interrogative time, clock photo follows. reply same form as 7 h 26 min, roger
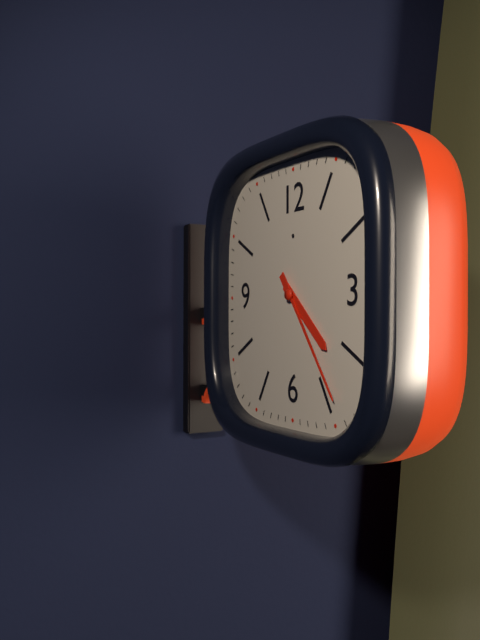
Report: 4 h 24 min
